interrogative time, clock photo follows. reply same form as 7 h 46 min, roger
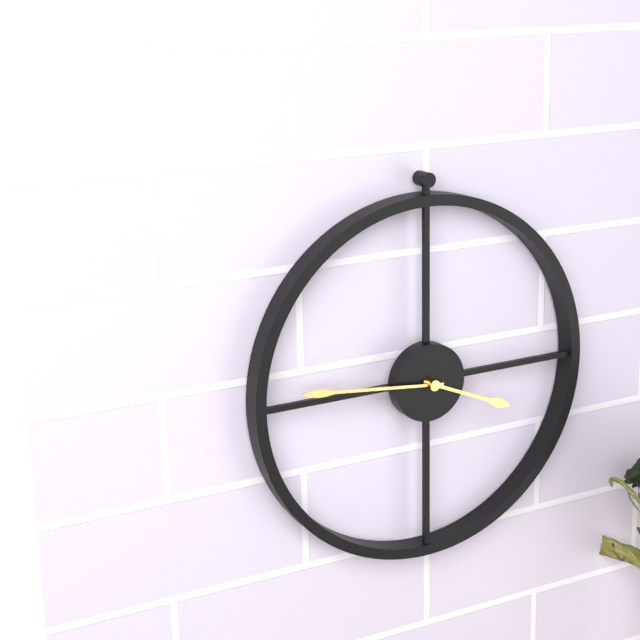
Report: 3 h 46 min
